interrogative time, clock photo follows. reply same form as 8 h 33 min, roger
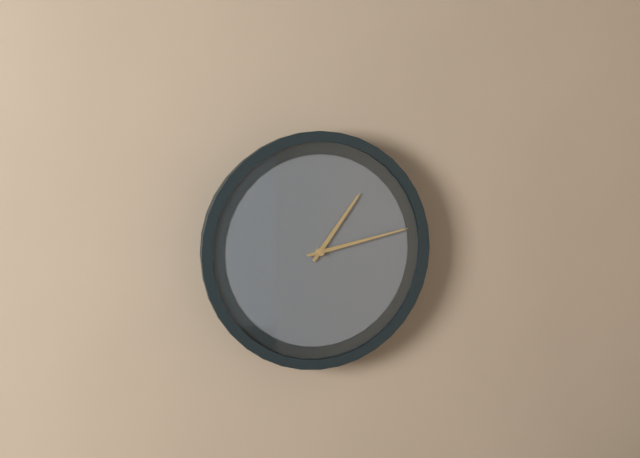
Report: 1 h 13 min
